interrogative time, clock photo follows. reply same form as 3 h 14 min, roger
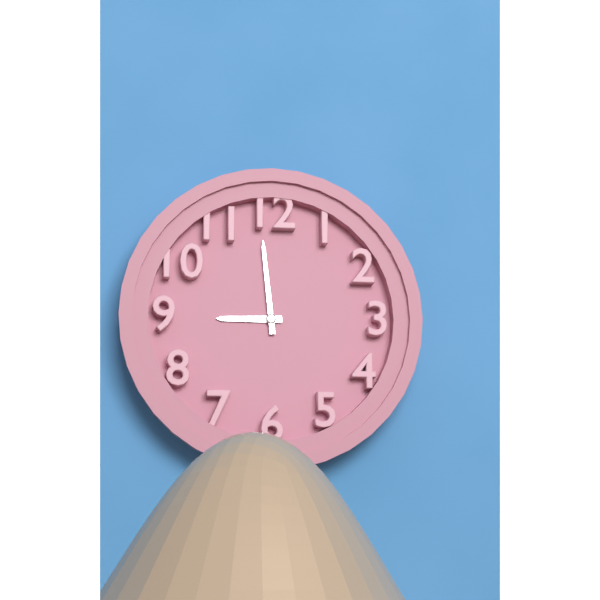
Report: 8 h 59 min
